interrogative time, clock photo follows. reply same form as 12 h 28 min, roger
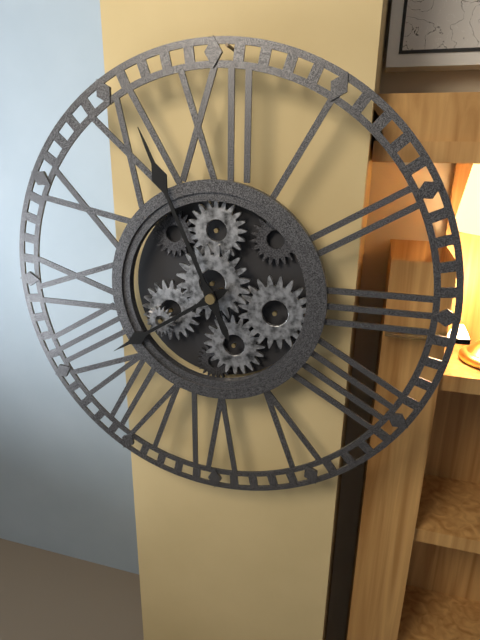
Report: 7 h 56 min
